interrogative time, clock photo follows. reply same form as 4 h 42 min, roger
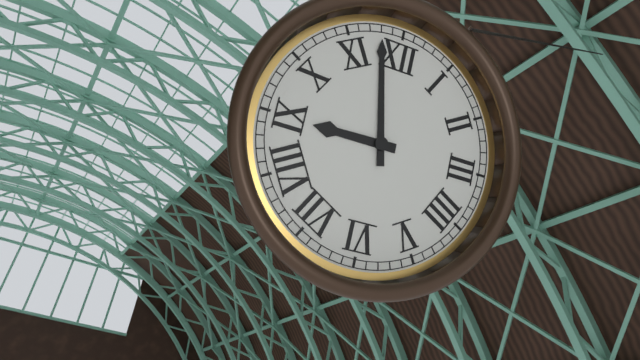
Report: 8 h 58 min
